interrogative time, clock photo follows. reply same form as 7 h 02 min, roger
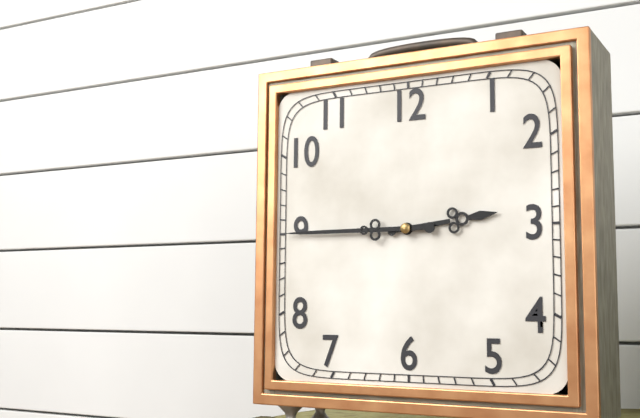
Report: 2 h 45 min
